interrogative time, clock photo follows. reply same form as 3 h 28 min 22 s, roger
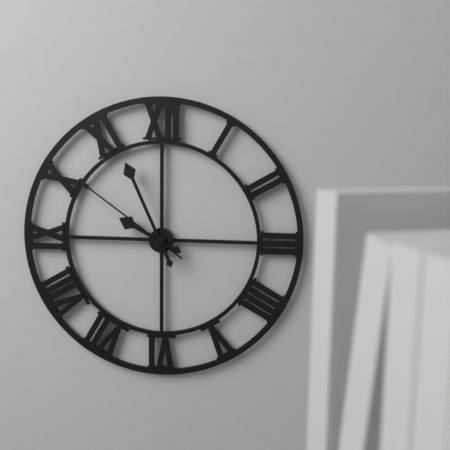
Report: 9 h 56 min 51 s
